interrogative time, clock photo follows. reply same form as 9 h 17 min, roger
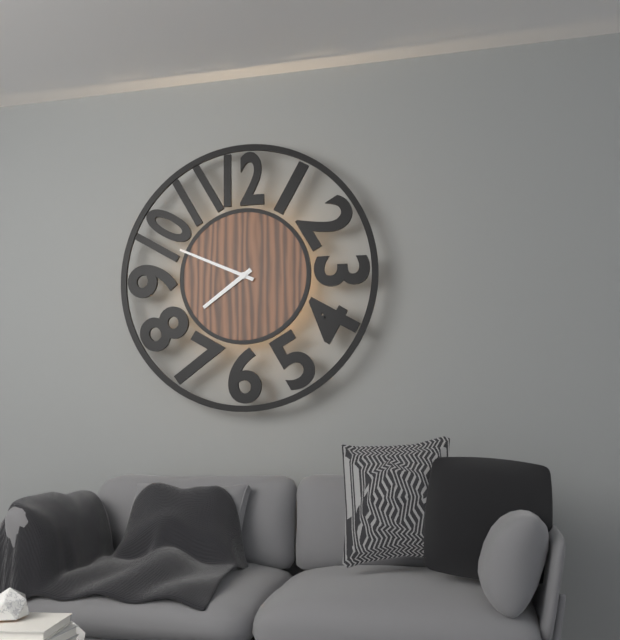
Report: 7 h 49 min
